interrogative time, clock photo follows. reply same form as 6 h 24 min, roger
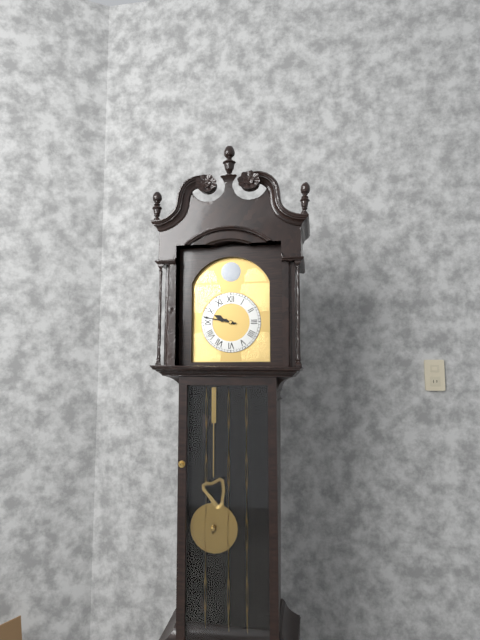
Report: 9 h 47 min
